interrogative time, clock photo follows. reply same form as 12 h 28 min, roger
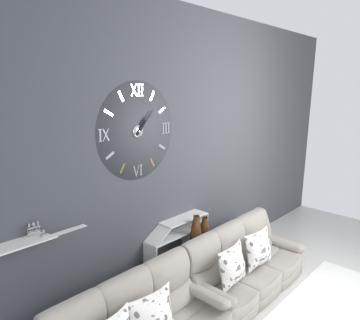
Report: 1 h 07 min
